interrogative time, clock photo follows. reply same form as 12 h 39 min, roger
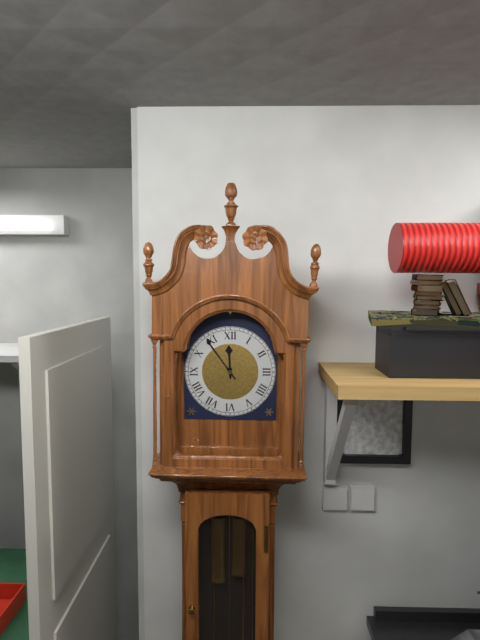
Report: 11 h 54 min
